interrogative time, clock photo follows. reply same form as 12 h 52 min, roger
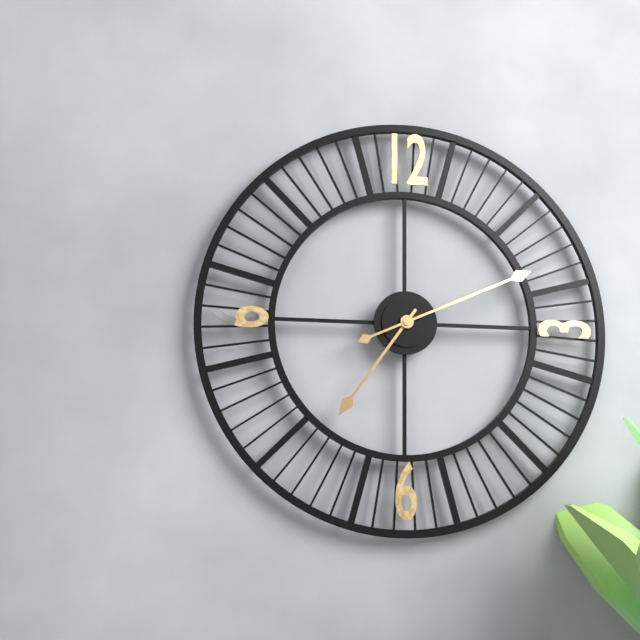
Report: 7 h 11 min
